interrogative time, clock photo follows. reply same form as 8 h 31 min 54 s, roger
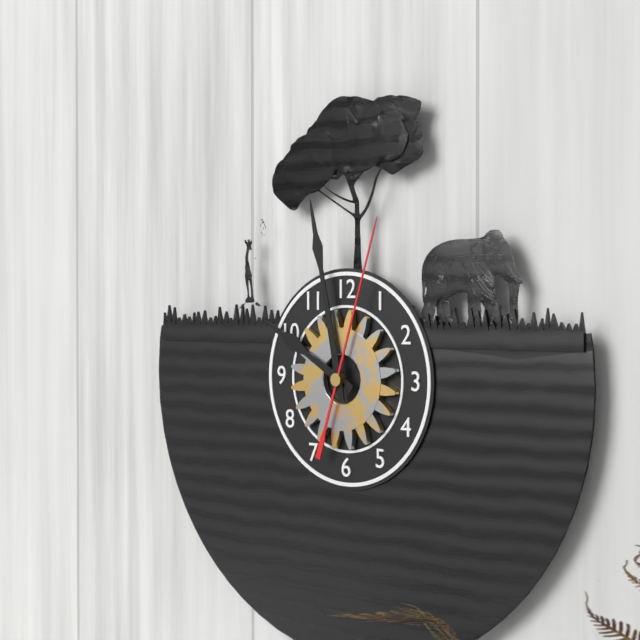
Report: 9 h 58 min 03 s
